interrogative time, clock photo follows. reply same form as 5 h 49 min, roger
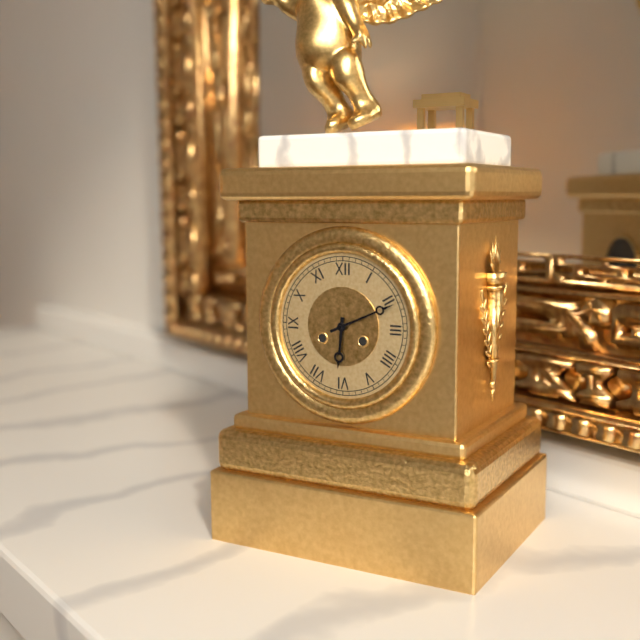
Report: 6 h 11 min
